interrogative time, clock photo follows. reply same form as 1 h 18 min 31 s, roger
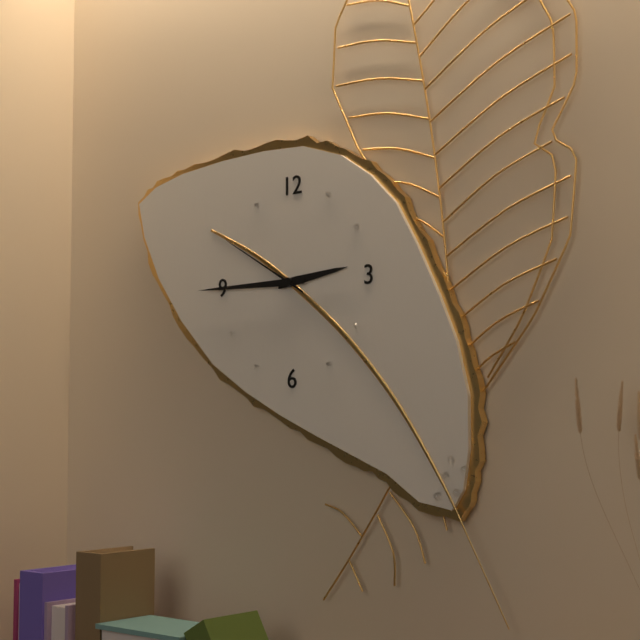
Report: 2 h 45 min 50 s
